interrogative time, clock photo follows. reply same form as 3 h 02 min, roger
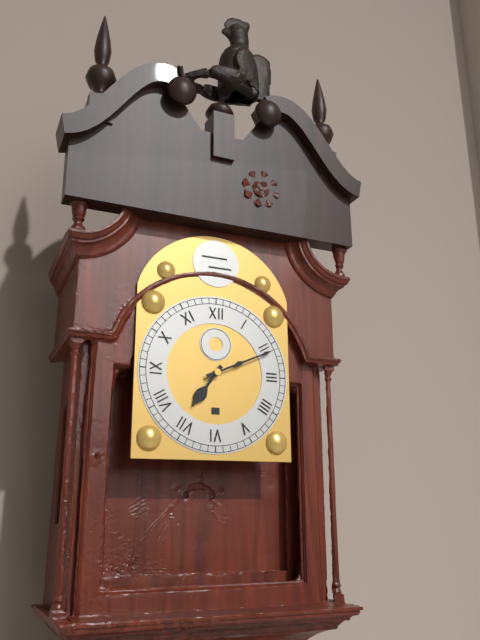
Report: 7 h 11 min
